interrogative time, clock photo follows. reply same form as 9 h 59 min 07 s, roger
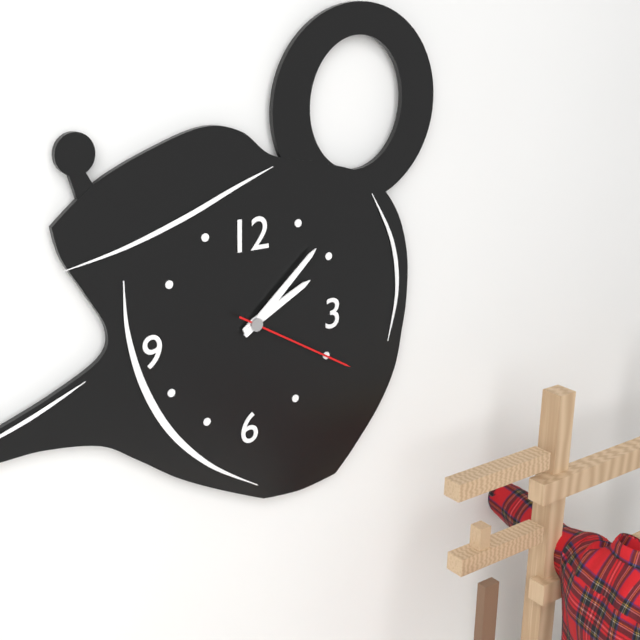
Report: 2 h 08 min 20 s
